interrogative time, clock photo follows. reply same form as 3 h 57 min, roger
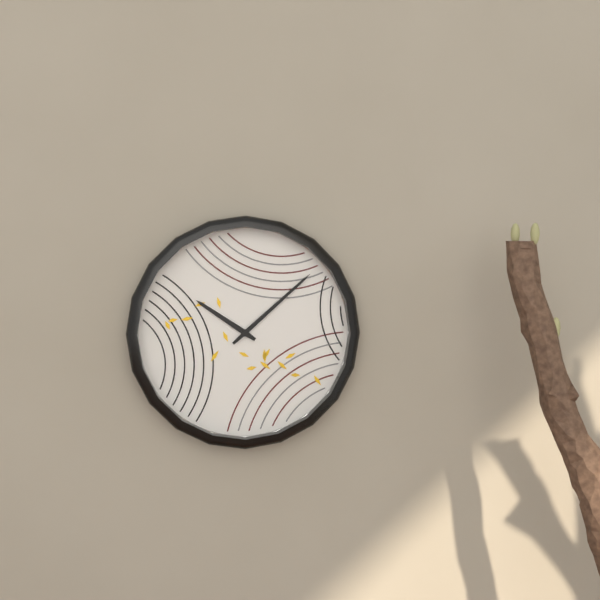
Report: 10 h 08 min
